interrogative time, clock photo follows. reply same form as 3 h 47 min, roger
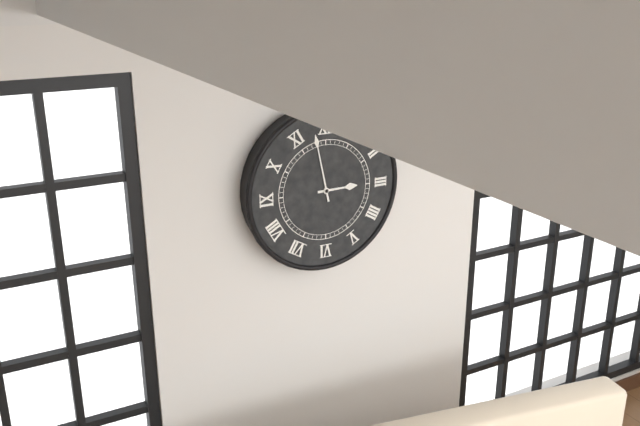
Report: 2 h 58 min
